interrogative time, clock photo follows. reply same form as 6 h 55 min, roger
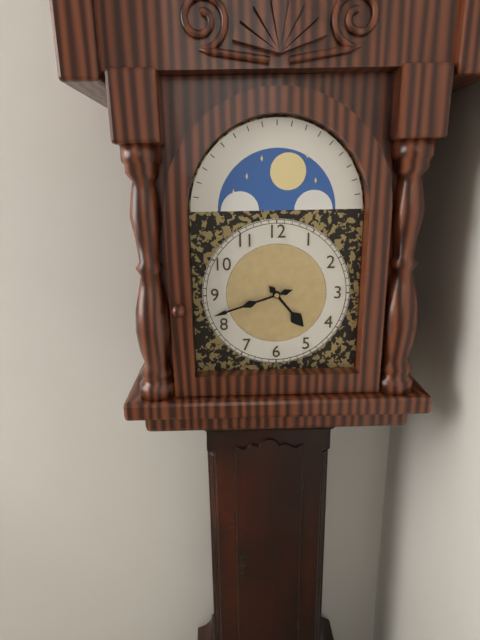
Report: 4 h 42 min
